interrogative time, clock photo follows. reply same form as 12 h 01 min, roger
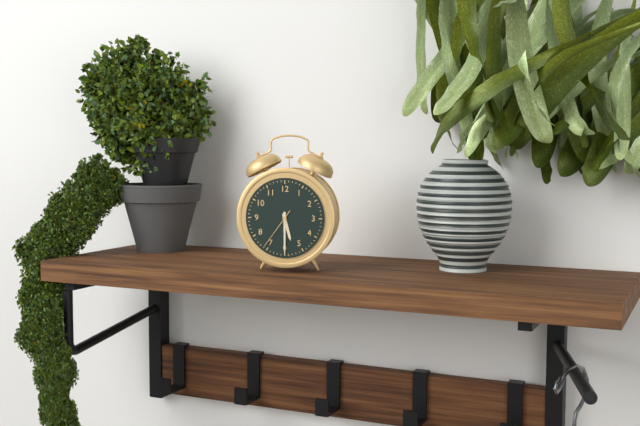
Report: 5 h 30 min
